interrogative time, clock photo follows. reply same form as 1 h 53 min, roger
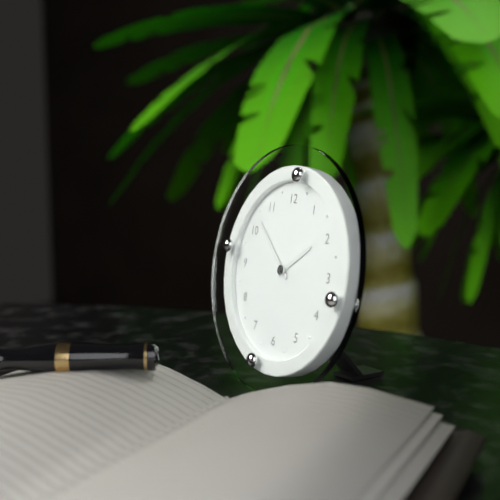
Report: 1 h 52 min
